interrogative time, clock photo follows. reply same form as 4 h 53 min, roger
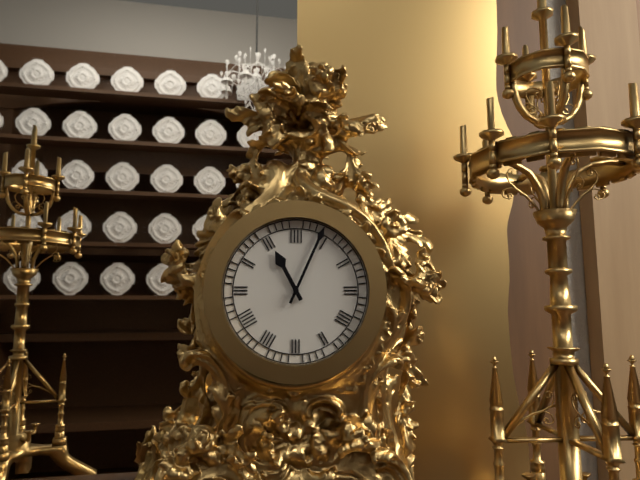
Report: 11 h 04 min
